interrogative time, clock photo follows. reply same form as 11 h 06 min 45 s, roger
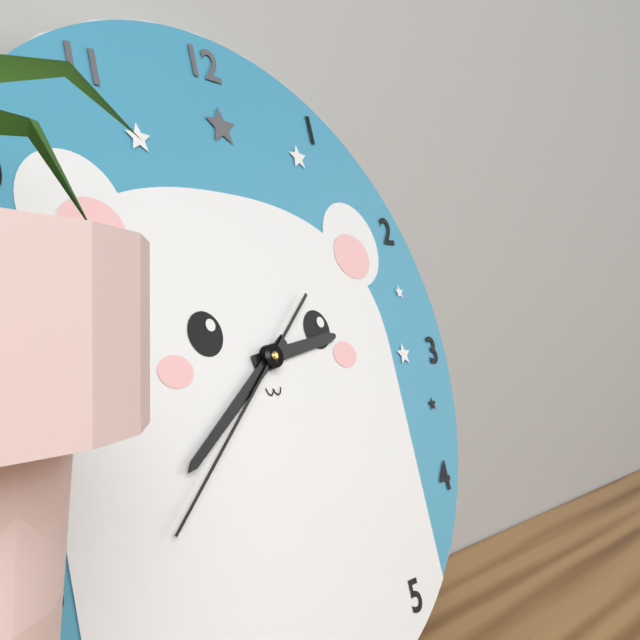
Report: 2 h 39 min 38 s
